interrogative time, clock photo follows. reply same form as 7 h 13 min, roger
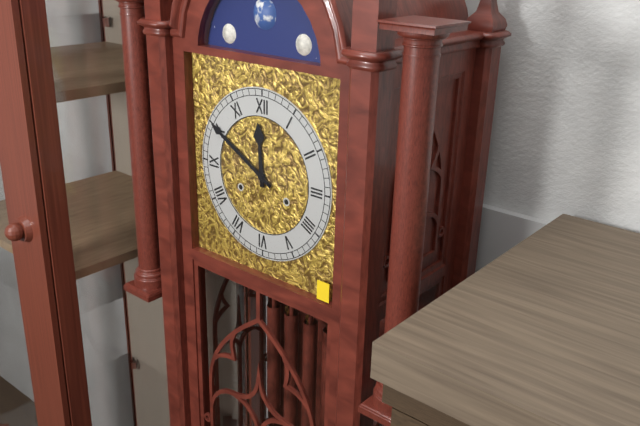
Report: 11 h 50 min
